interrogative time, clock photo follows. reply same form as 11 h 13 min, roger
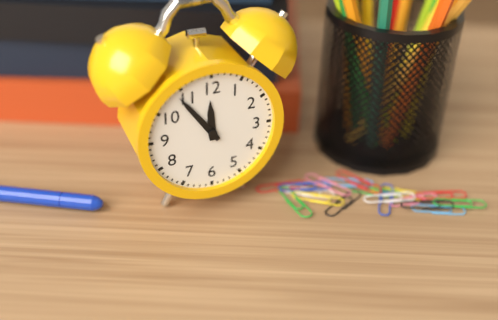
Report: 11 h 54 min
